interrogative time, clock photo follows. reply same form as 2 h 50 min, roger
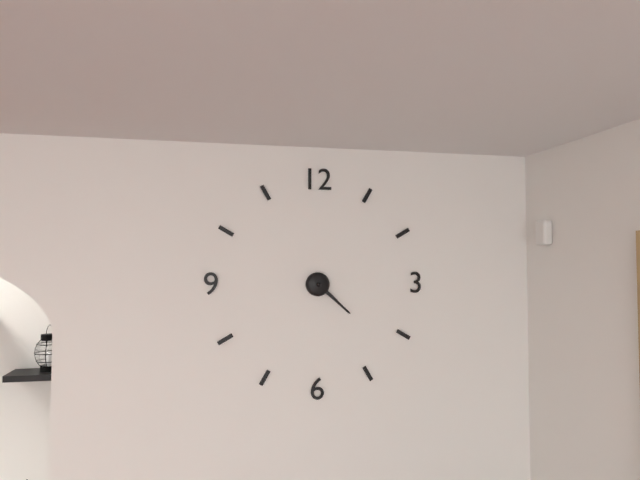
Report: 4 h 22 min
